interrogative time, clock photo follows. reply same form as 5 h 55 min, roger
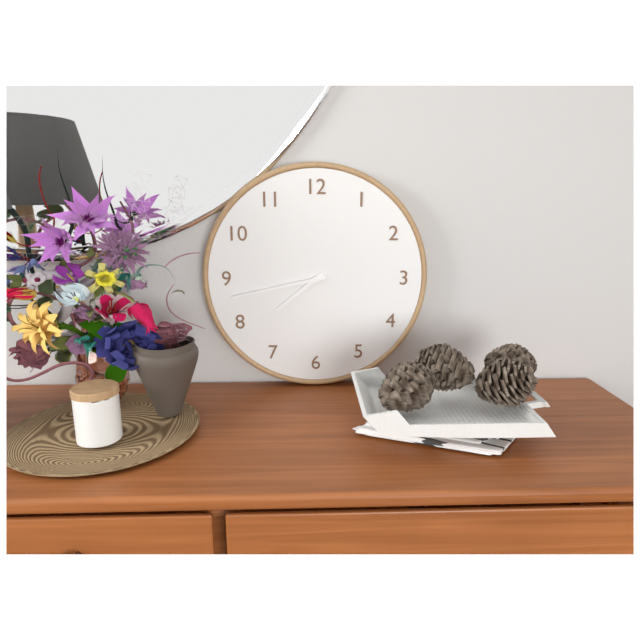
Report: 7 h 43 min
